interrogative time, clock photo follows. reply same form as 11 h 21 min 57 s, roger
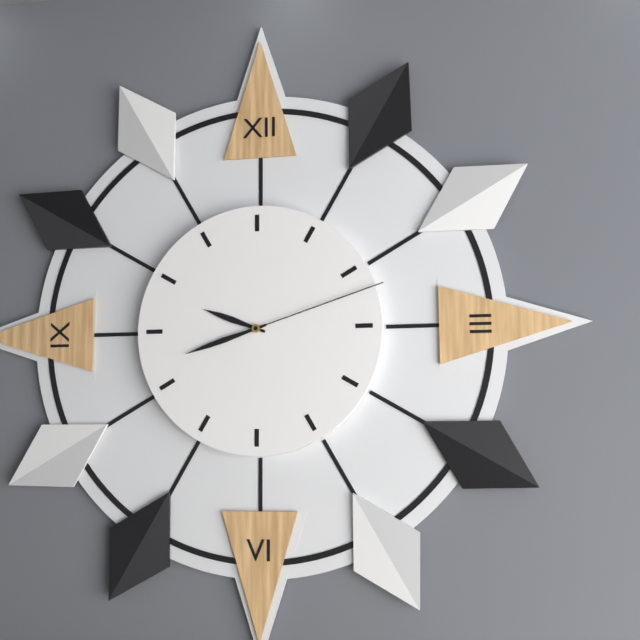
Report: 9 h 42 min 12 s
